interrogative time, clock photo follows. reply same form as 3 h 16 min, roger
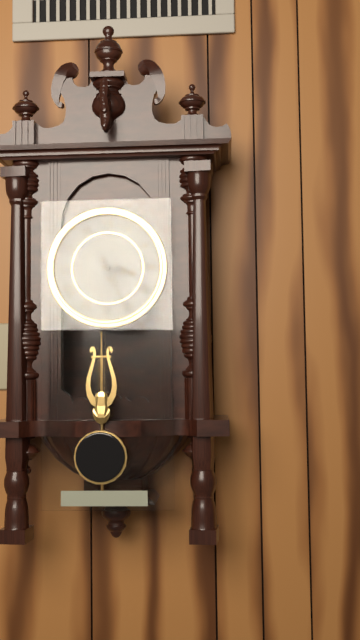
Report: 3 h 26 min
